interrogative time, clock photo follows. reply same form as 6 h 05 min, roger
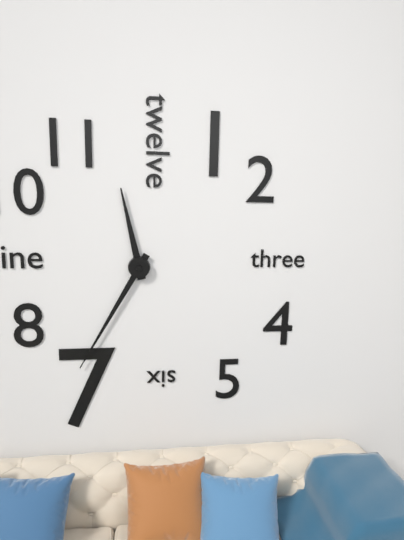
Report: 11 h 35 min
